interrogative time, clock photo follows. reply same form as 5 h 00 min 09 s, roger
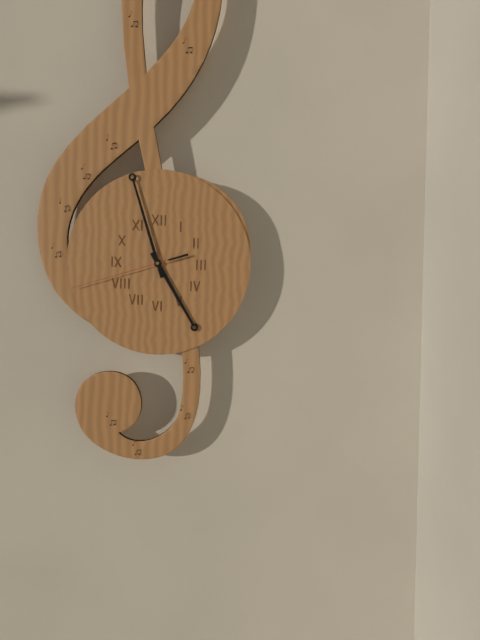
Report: 4 h 57 min 42 s
